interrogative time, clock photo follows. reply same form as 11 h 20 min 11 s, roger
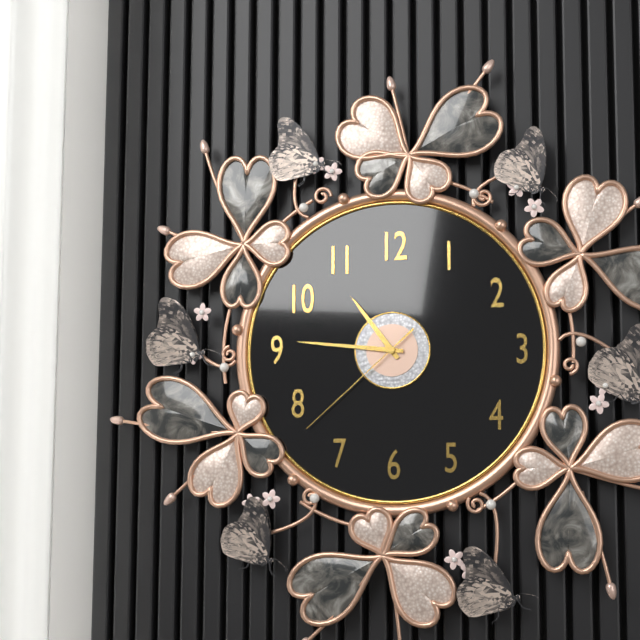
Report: 10 h 46 min 38 s
